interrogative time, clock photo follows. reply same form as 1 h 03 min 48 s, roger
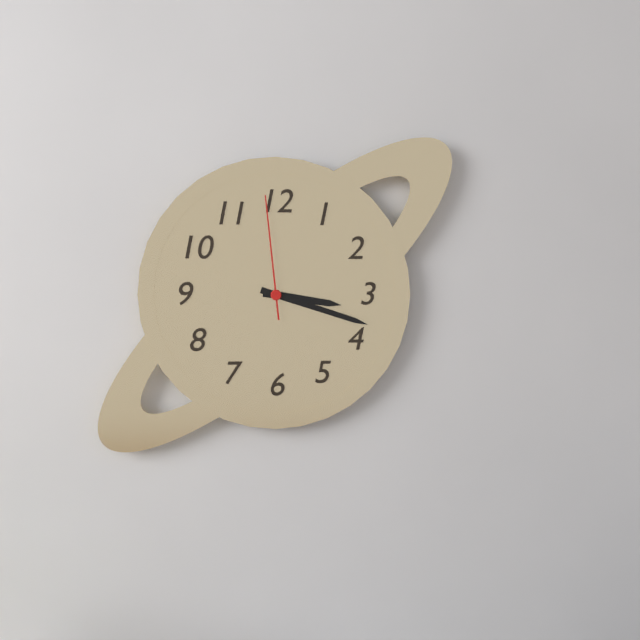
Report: 3 h 18 min 59 s
